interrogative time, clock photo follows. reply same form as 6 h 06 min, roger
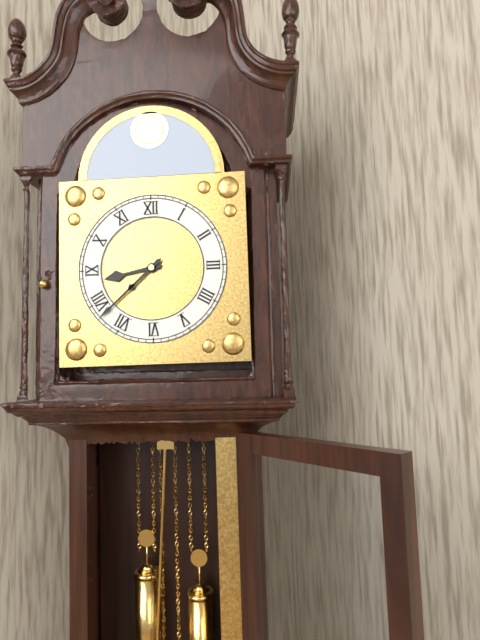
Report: 8 h 38 min
